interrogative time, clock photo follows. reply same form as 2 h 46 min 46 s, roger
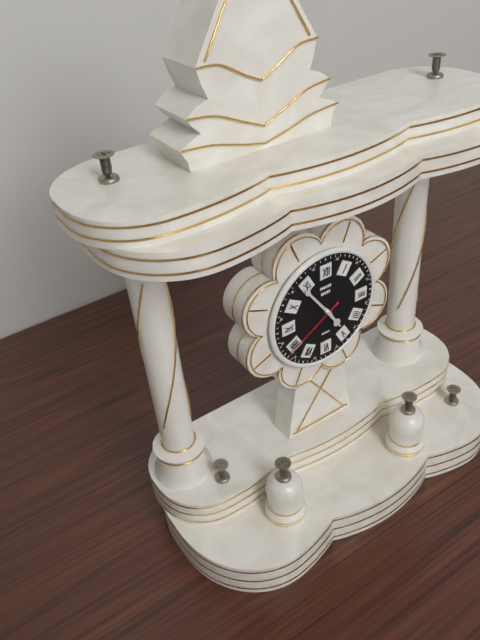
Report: 4 h 54 min 40 s
